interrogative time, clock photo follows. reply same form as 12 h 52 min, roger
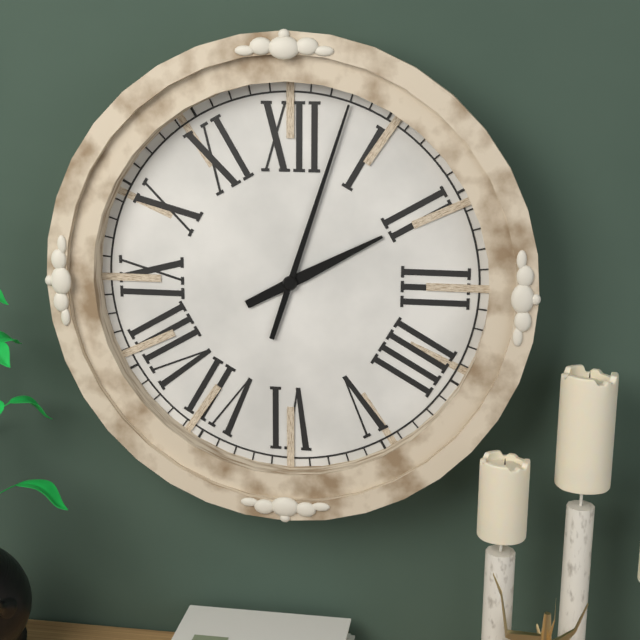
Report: 2 h 03 min
